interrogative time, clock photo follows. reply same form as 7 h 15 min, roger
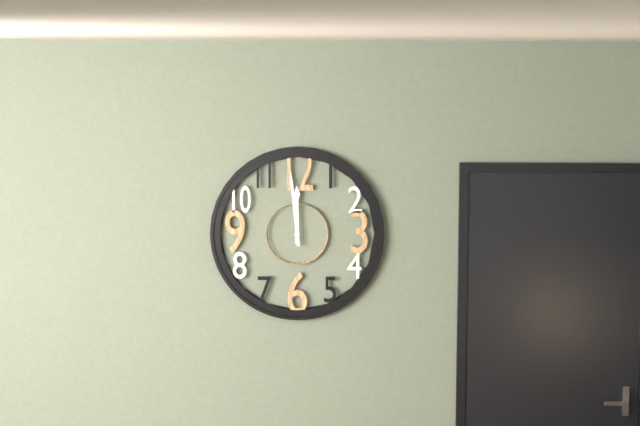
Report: 11 h 59 min
